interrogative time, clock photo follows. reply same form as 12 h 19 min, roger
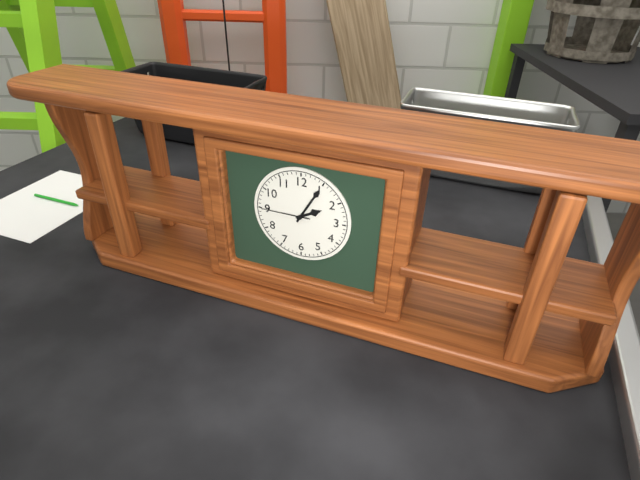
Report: 2 h 05 min
